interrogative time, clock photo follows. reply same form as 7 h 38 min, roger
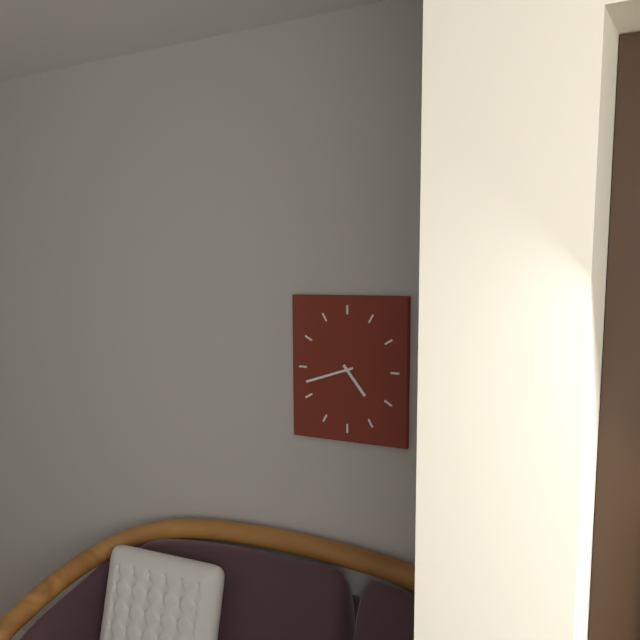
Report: 4 h 42 min
